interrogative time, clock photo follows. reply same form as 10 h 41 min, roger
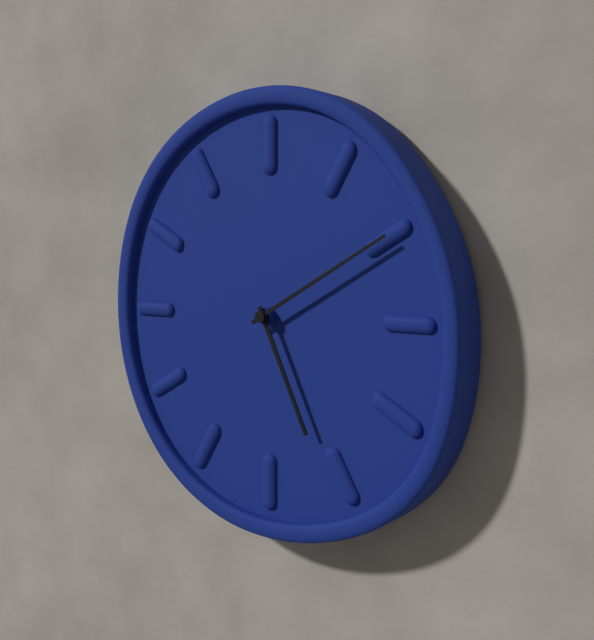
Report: 5 h 10 min
